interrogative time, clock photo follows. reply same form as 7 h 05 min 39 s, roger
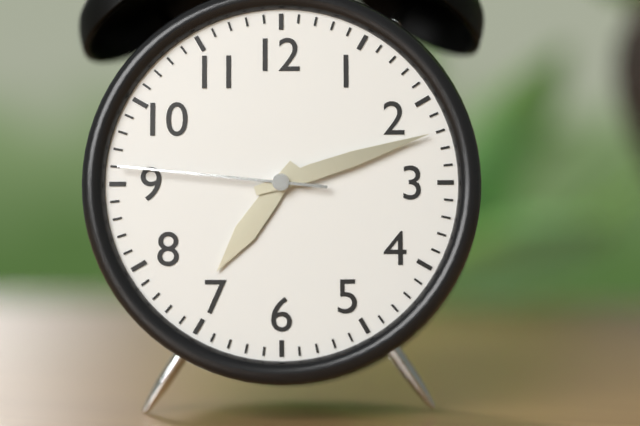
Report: 7 h 12 min 46 s
